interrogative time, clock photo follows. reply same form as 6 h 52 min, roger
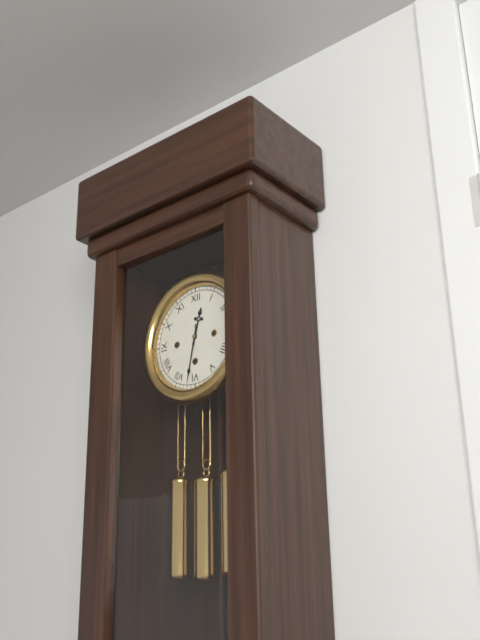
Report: 12 h 32 min
